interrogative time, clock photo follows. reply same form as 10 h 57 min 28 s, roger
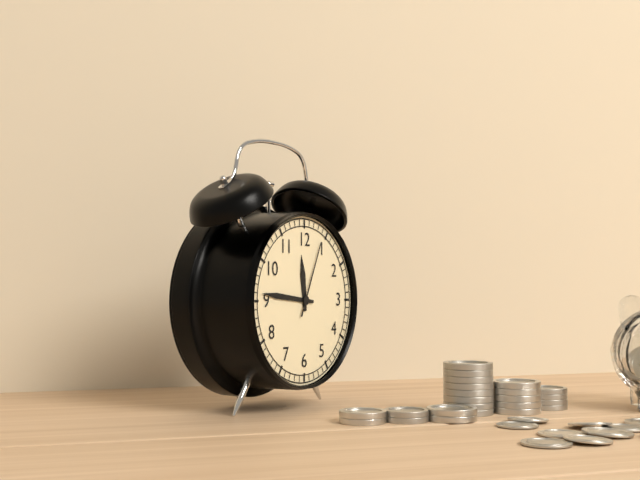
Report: 11 h 46 min 04 s
